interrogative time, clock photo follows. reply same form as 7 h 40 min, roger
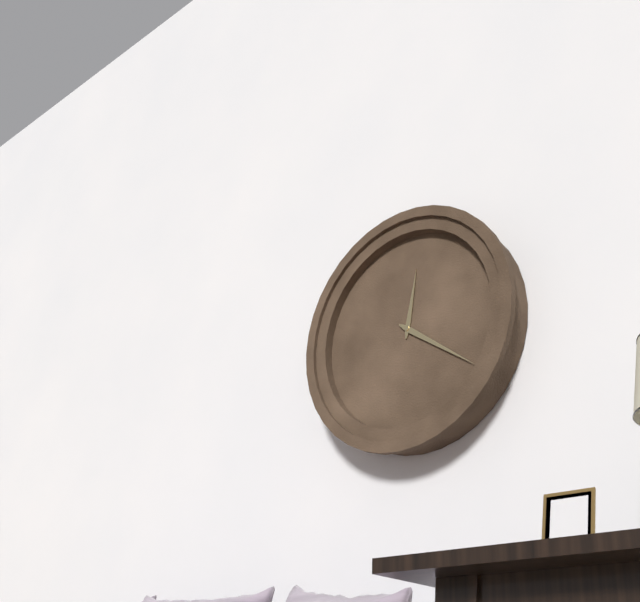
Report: 12 h 21 min
